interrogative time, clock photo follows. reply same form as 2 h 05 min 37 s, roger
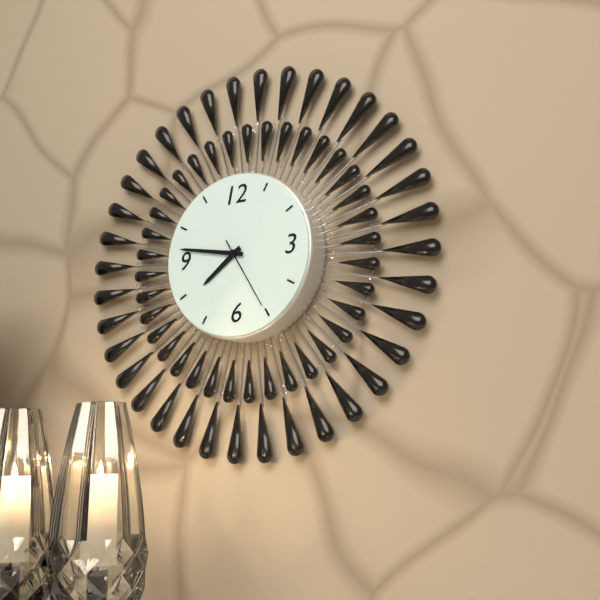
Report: 7 h 47 min 25 s
